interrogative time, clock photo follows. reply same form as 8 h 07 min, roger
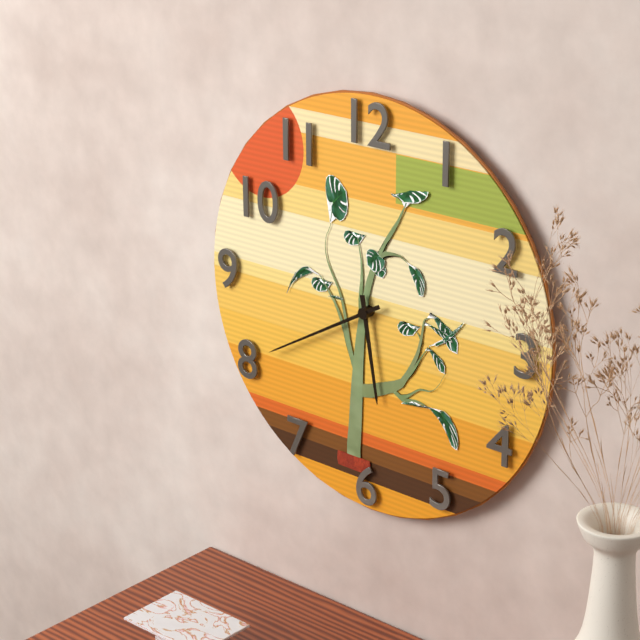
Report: 5 h 40 min
